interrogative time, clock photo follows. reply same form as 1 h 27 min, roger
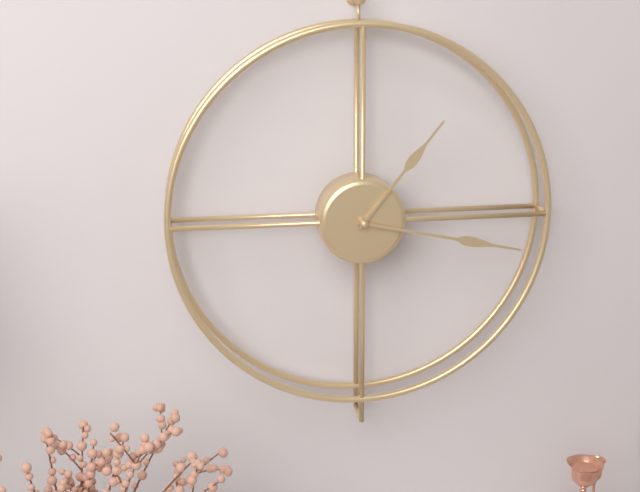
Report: 1 h 17 min
